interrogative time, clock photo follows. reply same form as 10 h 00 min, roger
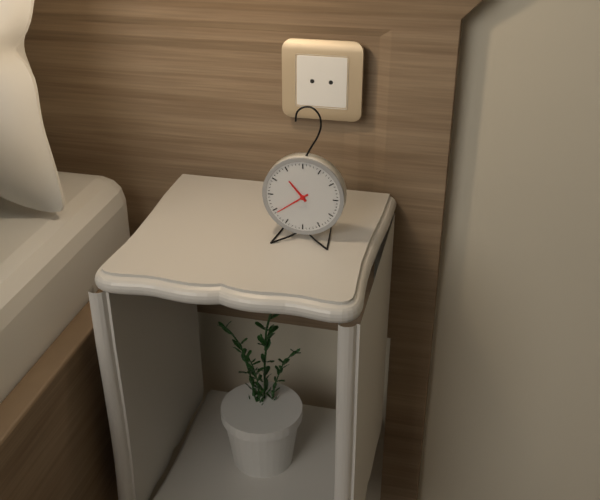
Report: 10 h 39 min
